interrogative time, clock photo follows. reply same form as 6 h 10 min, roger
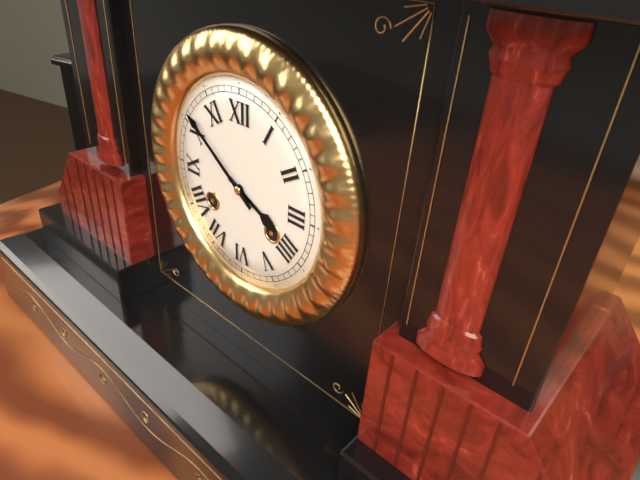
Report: 3 h 51 min
